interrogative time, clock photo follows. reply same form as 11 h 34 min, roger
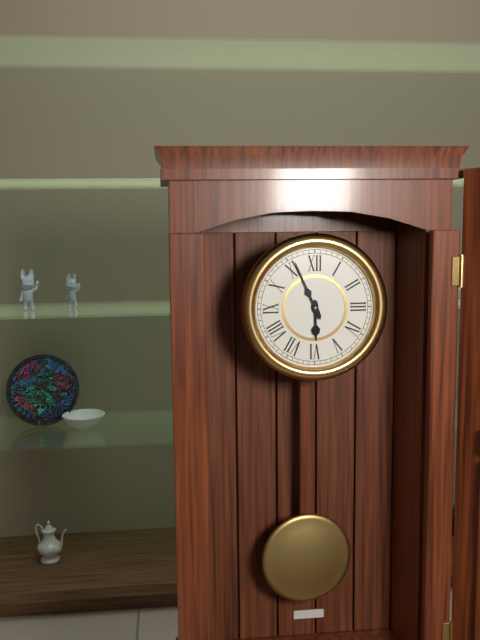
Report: 5 h 56 min
